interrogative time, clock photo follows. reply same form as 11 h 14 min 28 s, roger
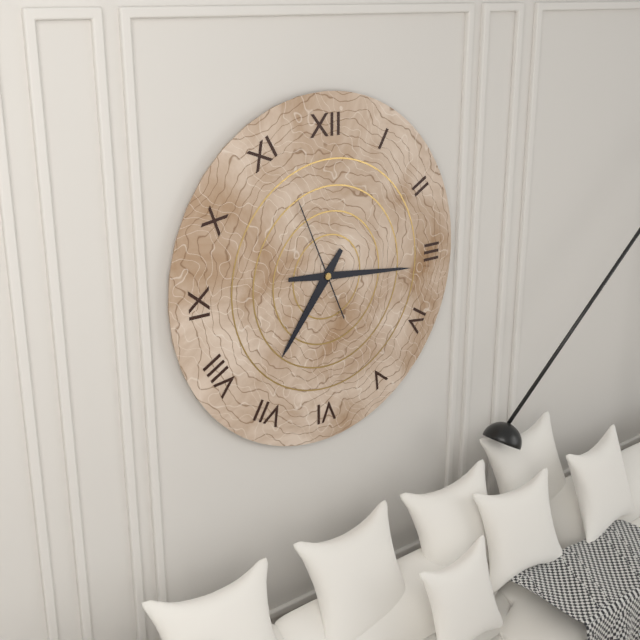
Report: 7 h 16 min 56 s
